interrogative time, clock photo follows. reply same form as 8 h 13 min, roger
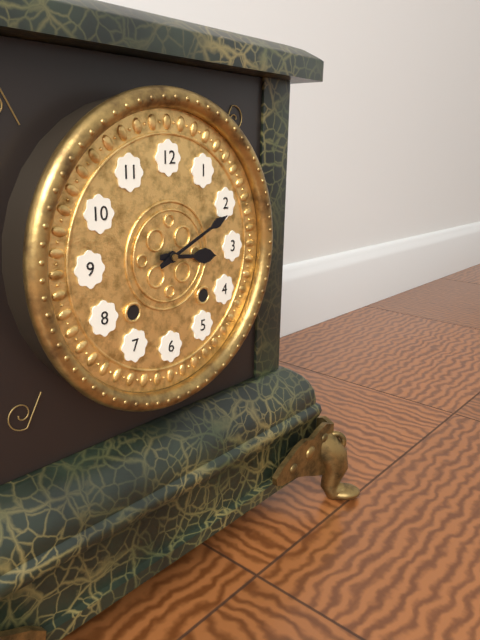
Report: 3 h 11 min
